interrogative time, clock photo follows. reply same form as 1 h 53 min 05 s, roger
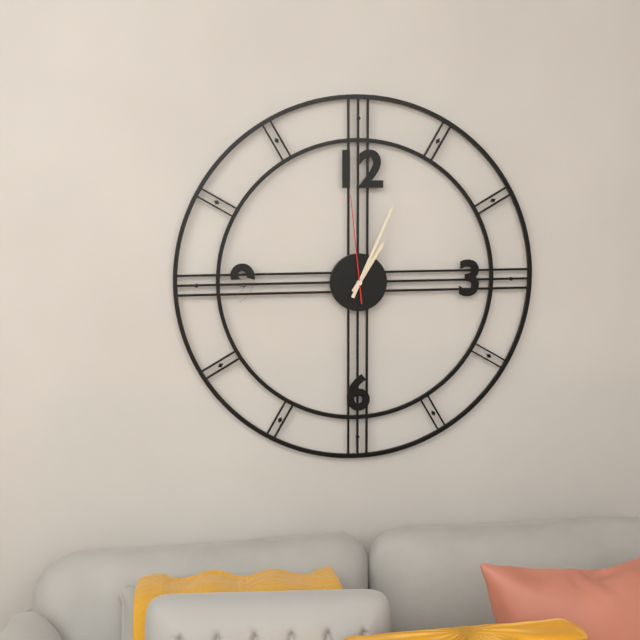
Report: 1 h 04 min 59 s
